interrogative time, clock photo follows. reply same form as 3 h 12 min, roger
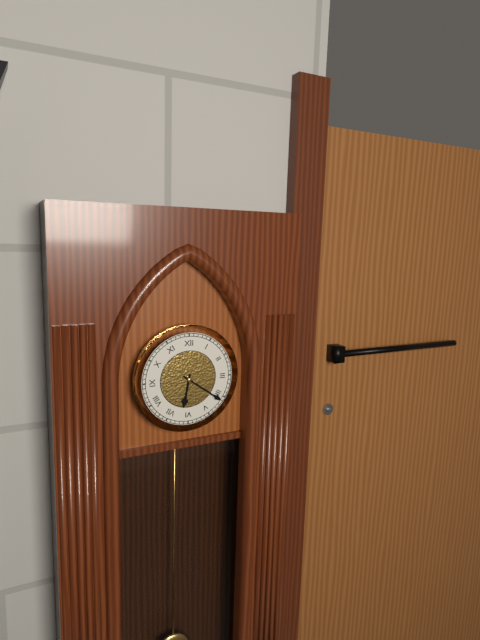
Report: 6 h 21 min
